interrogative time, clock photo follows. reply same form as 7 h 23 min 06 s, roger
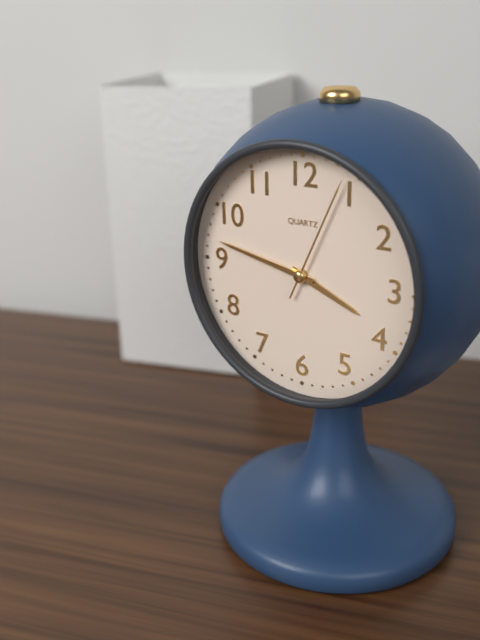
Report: 3 h 47 min 04 s
